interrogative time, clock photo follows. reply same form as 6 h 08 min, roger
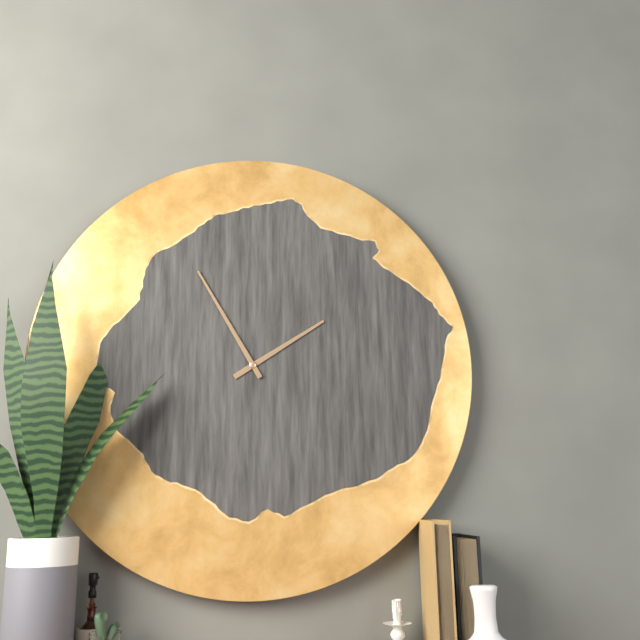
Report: 1 h 55 min
